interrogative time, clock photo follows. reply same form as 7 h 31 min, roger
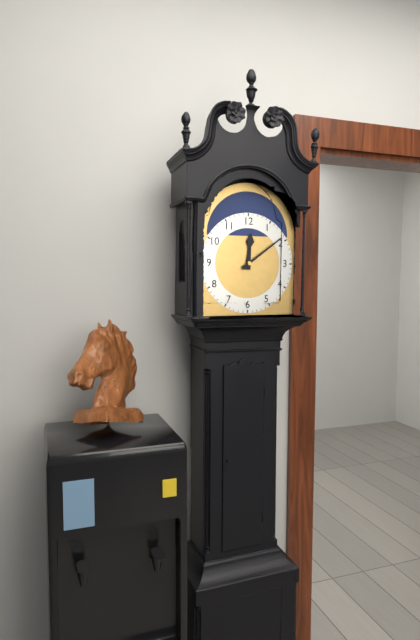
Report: 12 h 09 min
